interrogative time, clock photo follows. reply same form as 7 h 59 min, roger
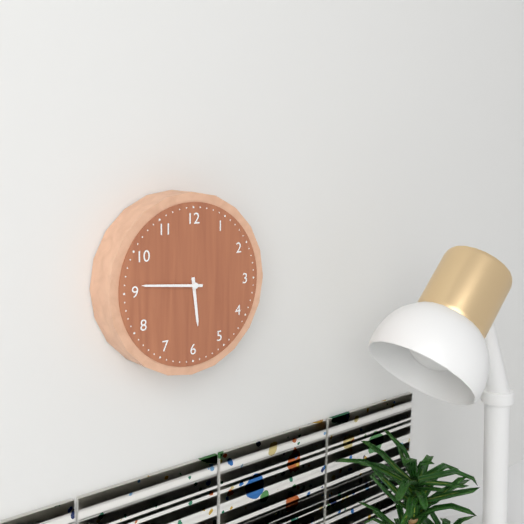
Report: 5 h 46 min
